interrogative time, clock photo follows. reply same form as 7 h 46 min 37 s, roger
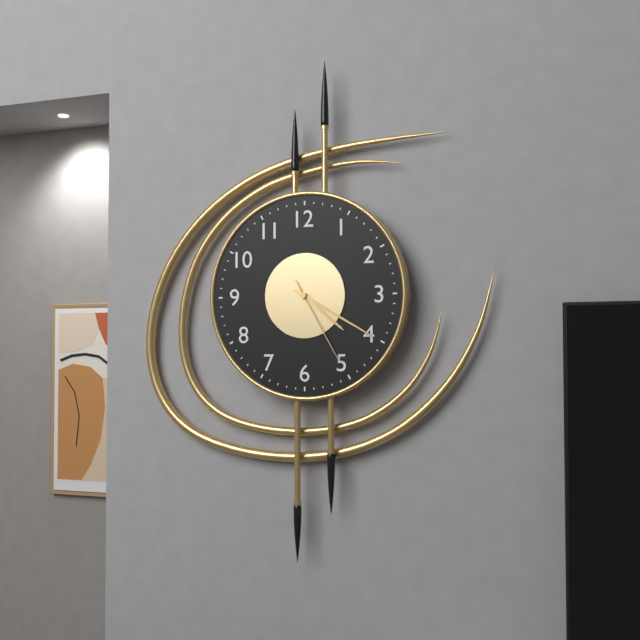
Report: 4 h 20 min 25 s
